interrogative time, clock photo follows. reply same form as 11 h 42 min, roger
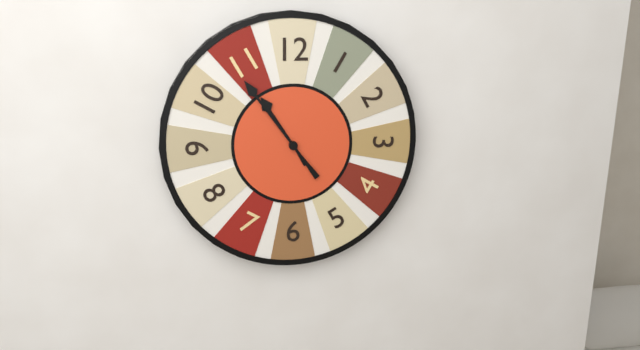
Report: 10 h 54 min
